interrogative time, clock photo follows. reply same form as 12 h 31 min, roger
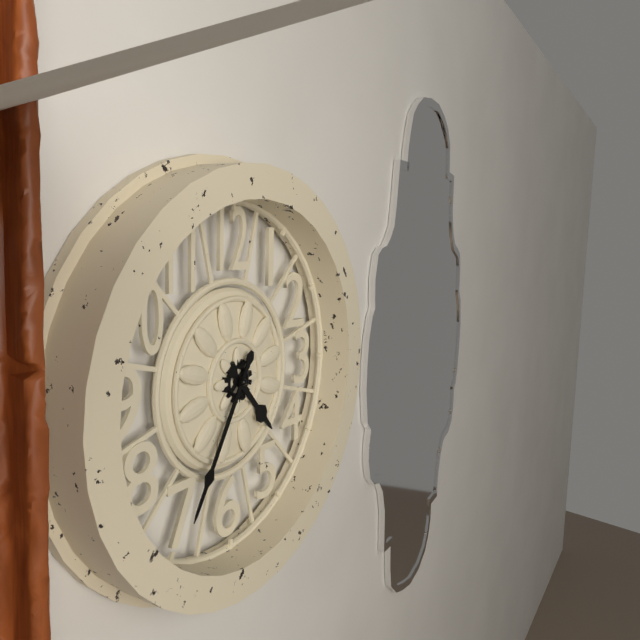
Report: 4 h 35 min
